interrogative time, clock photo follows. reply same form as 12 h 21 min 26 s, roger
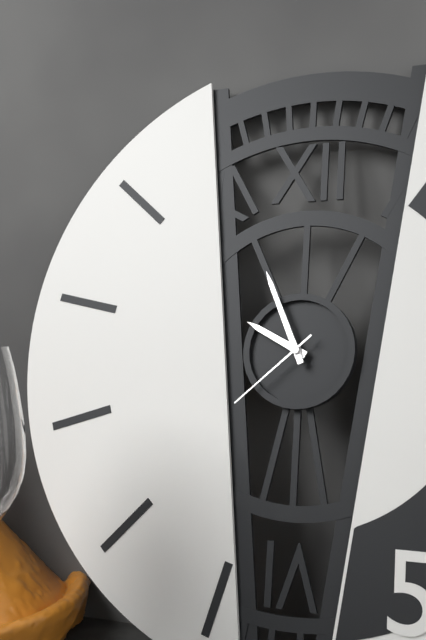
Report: 9 h 56 min 38 s
